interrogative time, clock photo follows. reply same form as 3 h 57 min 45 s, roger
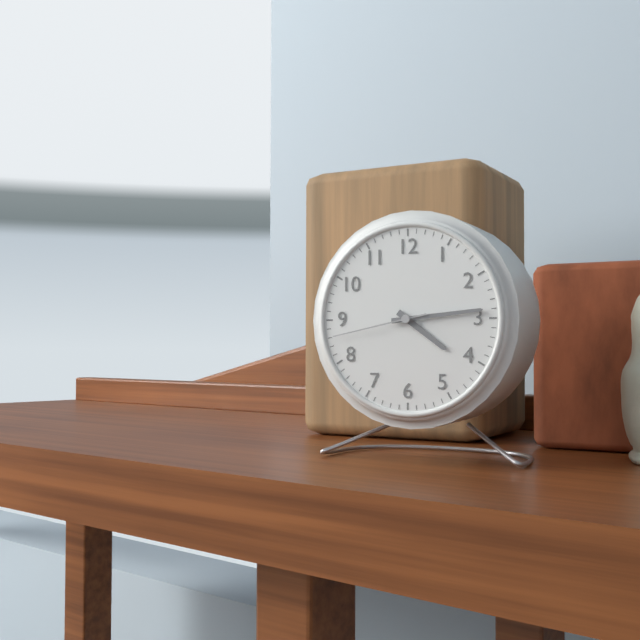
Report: 4 h 14 min 43 s
